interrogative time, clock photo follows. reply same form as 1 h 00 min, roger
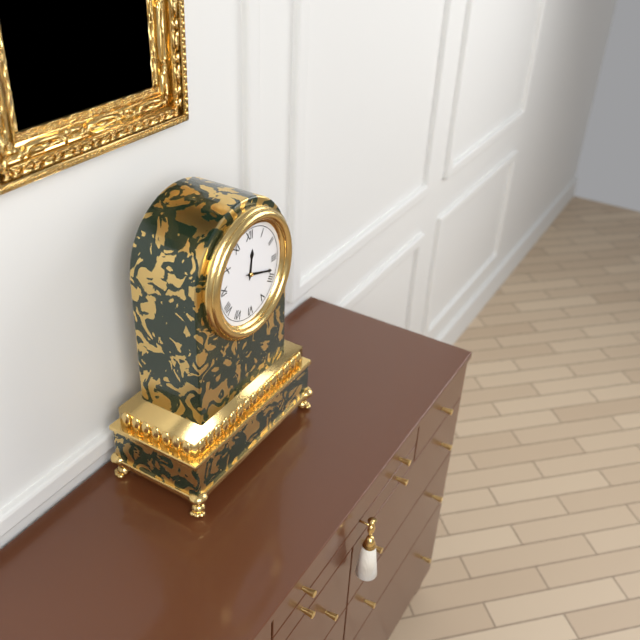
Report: 12 h 18 min
